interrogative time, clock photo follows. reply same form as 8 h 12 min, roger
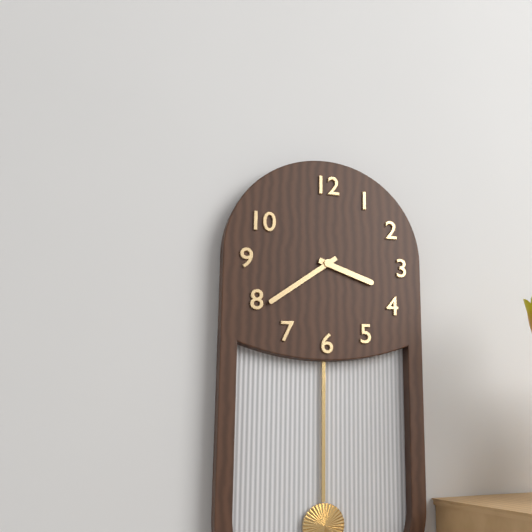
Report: 3 h 39 min
